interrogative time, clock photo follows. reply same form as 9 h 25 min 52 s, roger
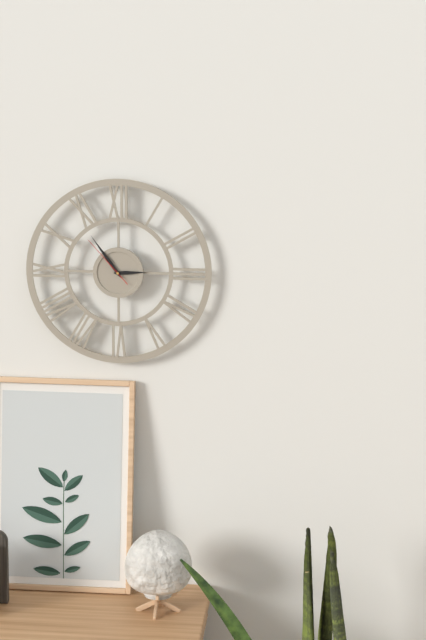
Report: 2 h 54 min 53 s
